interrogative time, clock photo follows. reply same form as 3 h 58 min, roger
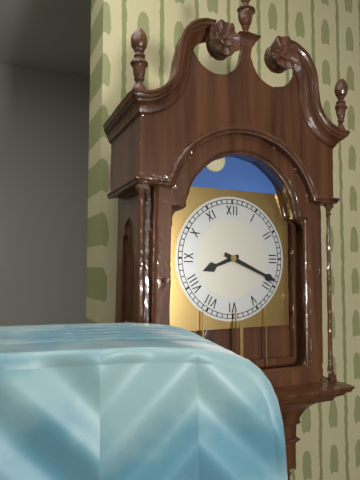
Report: 8 h 19 min
